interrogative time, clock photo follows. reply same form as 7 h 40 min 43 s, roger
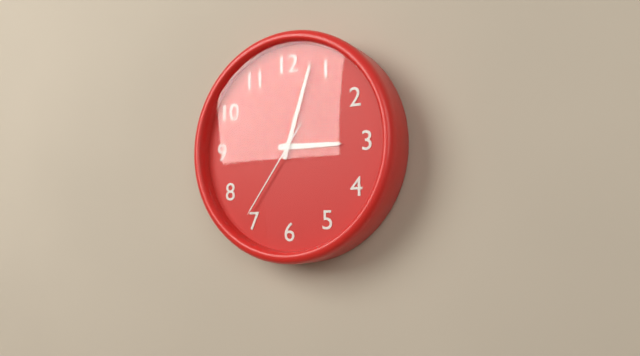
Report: 3 h 03 min 36 s
